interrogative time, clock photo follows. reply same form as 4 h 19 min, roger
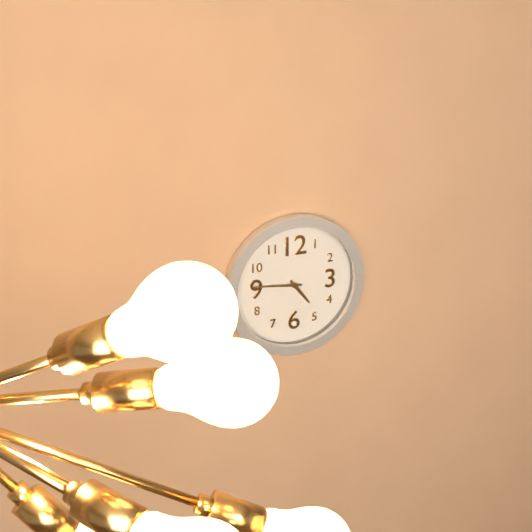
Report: 4 h 46 min
